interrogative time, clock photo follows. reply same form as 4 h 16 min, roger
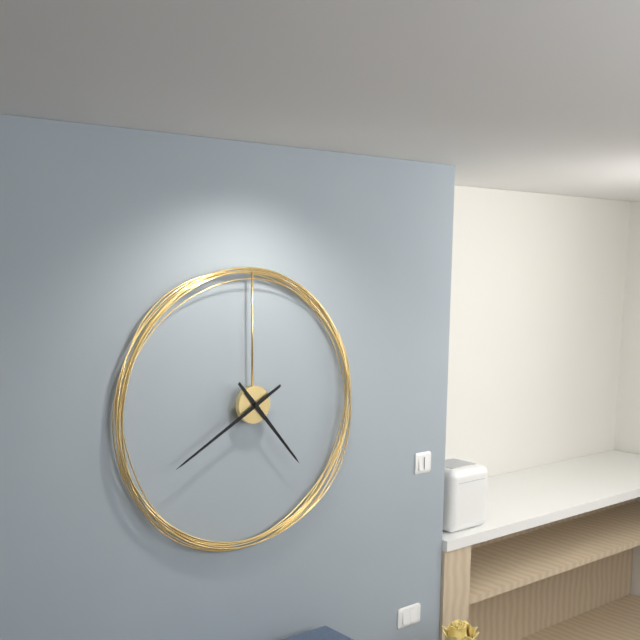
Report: 4 h 40 min
